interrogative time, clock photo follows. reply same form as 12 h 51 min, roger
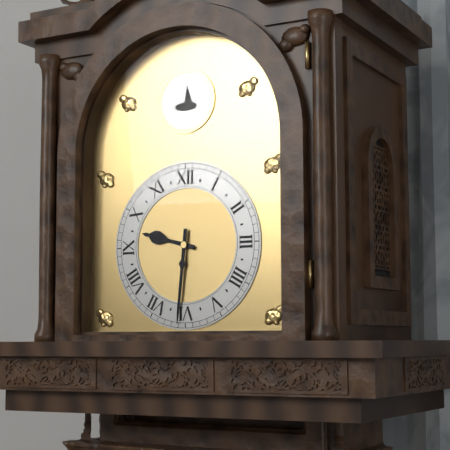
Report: 9 h 31 min
